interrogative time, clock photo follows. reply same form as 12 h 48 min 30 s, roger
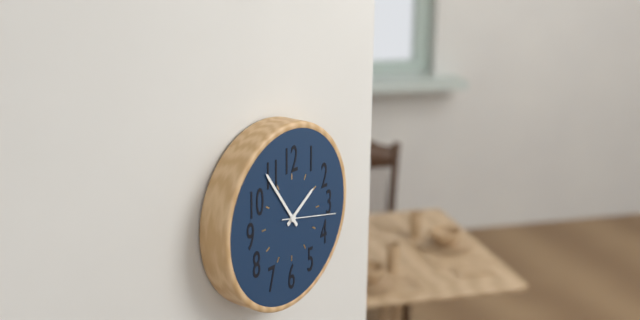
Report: 1 h 54 min 17 s
